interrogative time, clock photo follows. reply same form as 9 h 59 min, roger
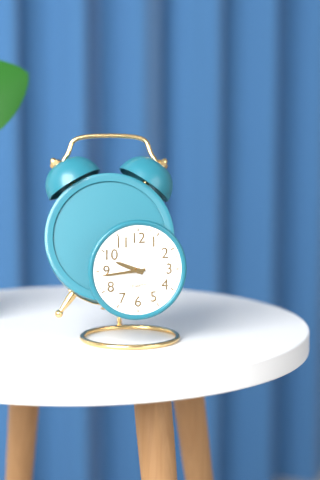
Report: 9 h 44 min
